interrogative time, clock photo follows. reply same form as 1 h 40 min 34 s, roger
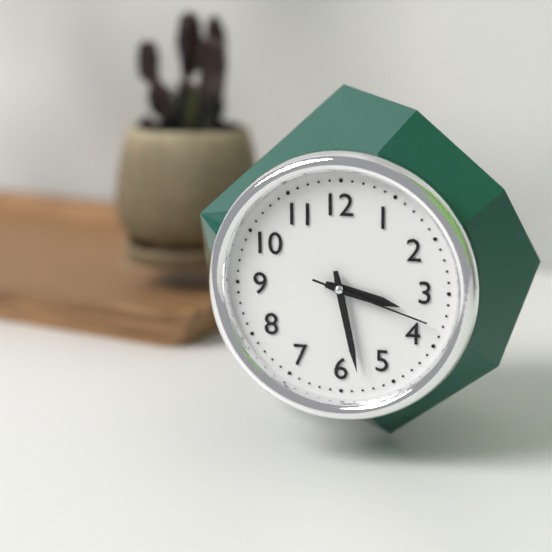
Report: 3 h 28 min 18 s
